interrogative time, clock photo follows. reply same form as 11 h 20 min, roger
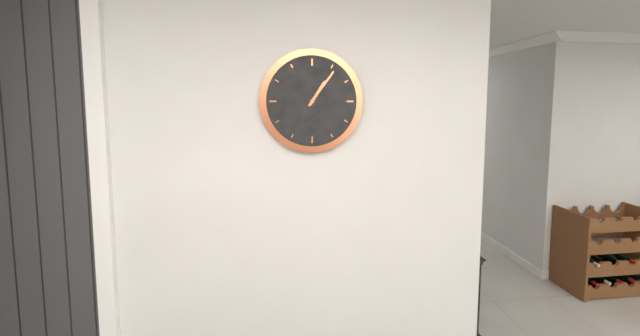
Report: 1 h 06 min
